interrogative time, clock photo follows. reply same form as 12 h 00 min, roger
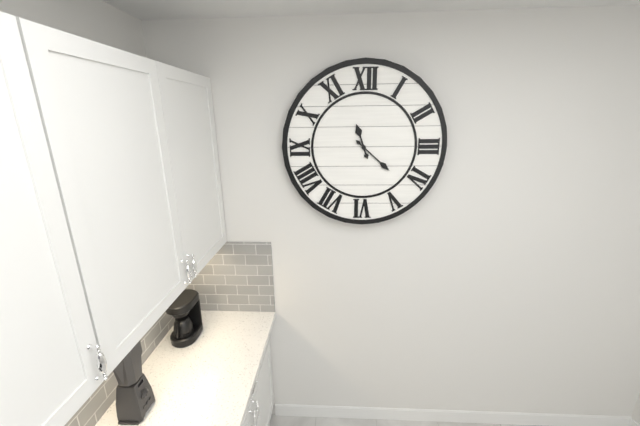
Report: 11 h 22 min
